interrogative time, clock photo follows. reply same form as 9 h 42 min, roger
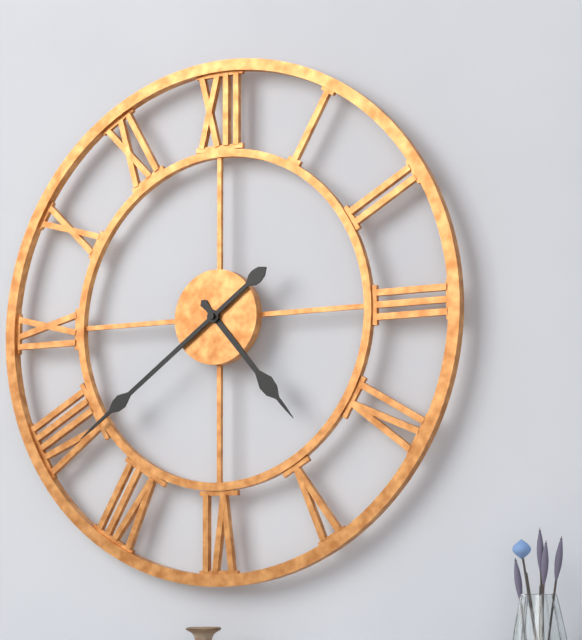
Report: 4 h 39 min
